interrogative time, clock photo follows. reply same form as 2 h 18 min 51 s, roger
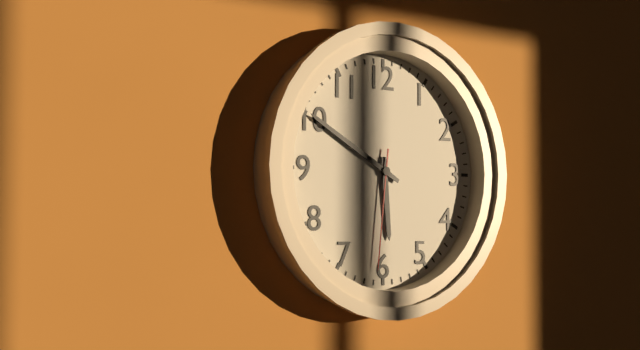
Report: 5 h 50 min 31 s
